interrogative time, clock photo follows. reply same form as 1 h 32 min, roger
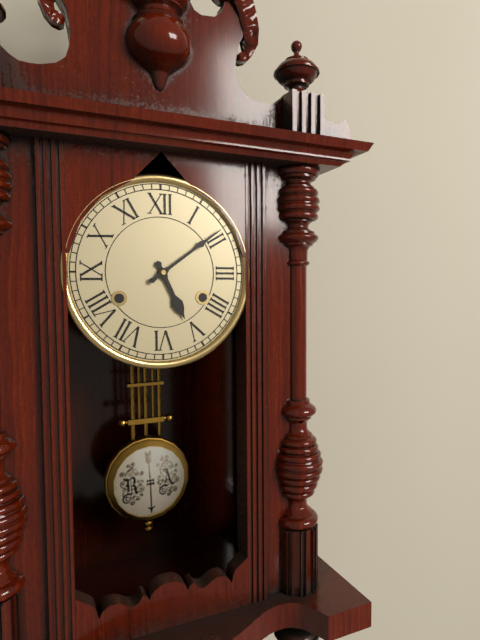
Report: 5 h 09 min
